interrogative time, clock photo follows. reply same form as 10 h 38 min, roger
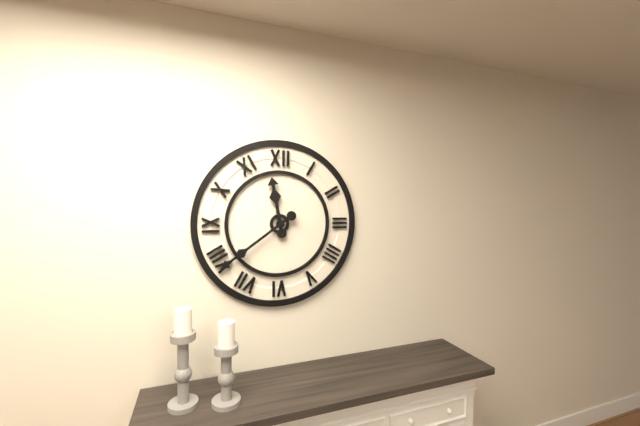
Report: 11 h 39 min
